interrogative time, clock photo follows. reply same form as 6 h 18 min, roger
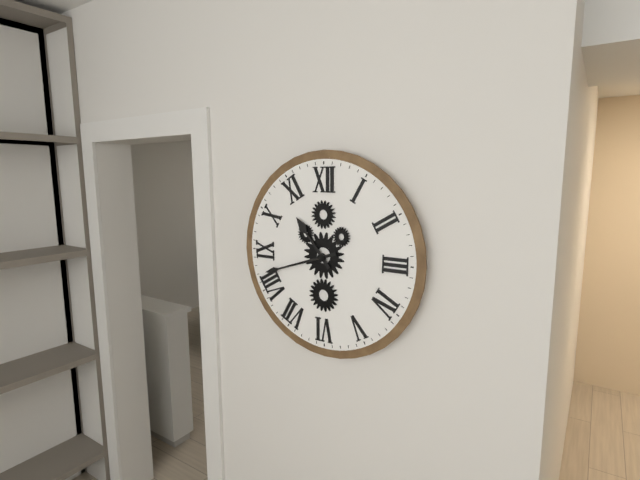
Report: 10 h 42 min
